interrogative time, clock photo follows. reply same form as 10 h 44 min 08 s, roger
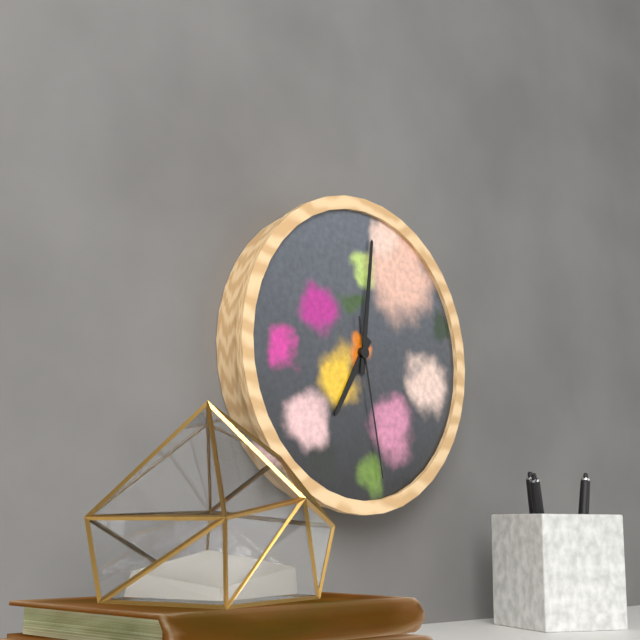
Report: 7 h 01 min 28 s
